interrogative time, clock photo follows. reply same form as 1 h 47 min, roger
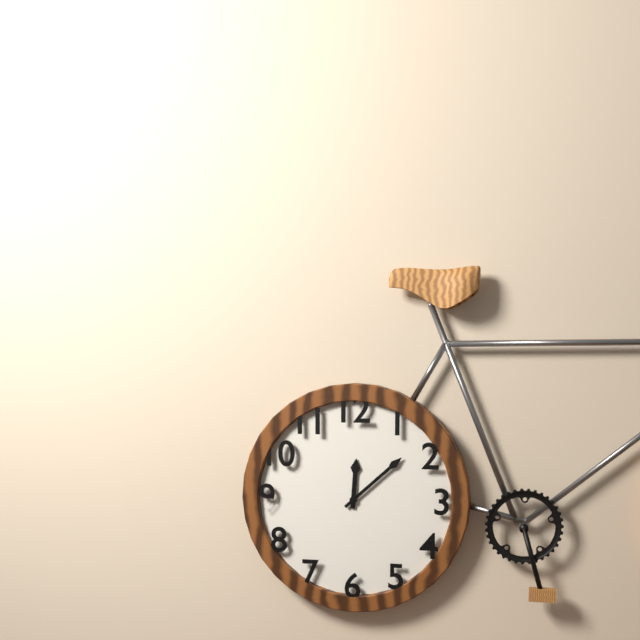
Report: 12 h 08 min
